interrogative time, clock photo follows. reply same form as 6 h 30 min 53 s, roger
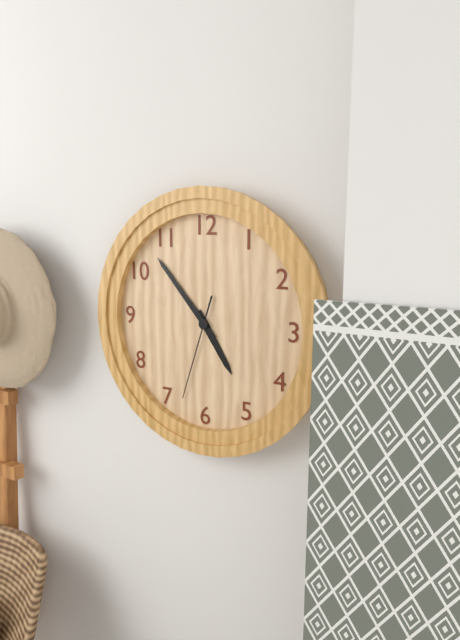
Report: 4 h 53 min 33 s
